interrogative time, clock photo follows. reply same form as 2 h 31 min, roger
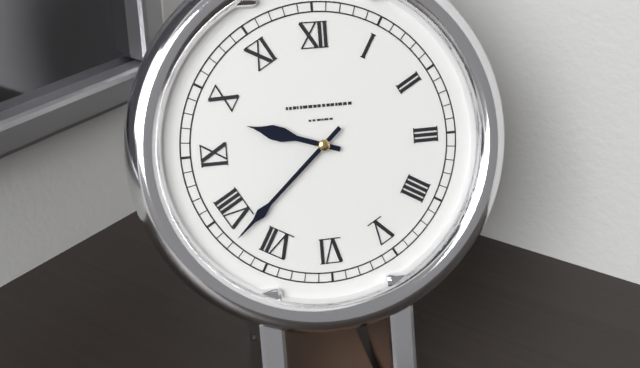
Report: 9 h 38 min
